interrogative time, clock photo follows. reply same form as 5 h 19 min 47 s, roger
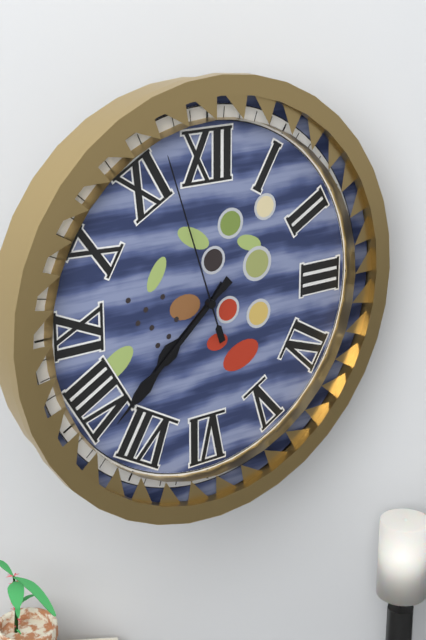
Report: 7 h 38 min 57 s
